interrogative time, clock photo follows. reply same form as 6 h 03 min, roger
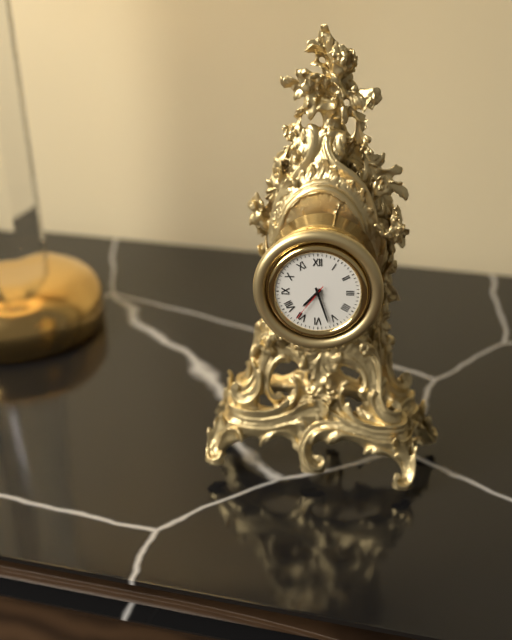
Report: 7 h 27 min
